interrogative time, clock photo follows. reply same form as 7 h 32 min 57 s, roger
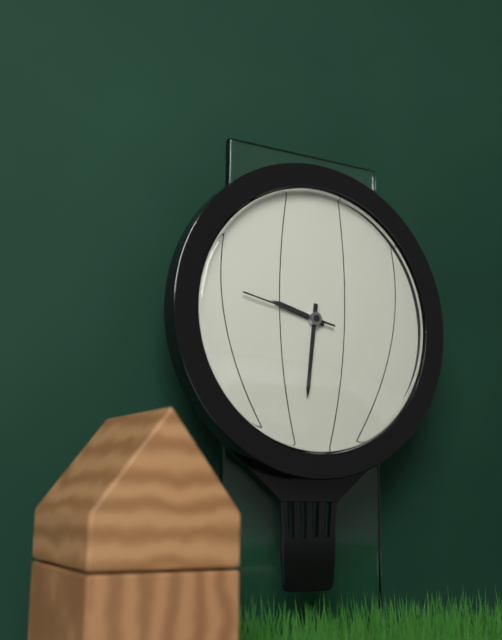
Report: 9 h 31 min 47 s
